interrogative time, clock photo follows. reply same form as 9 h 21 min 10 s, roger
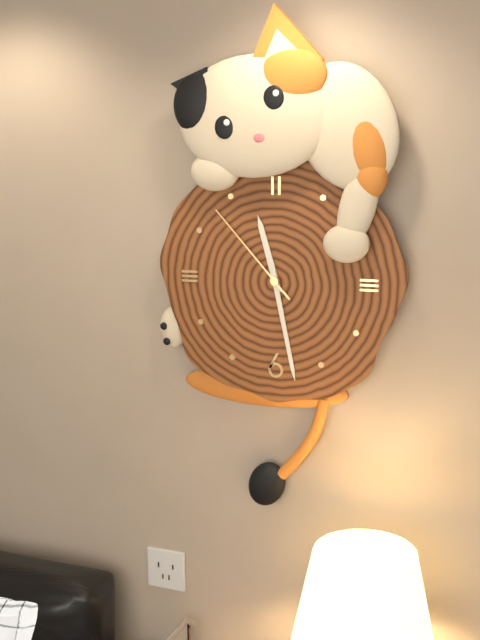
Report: 11 h 28 min 53 s
